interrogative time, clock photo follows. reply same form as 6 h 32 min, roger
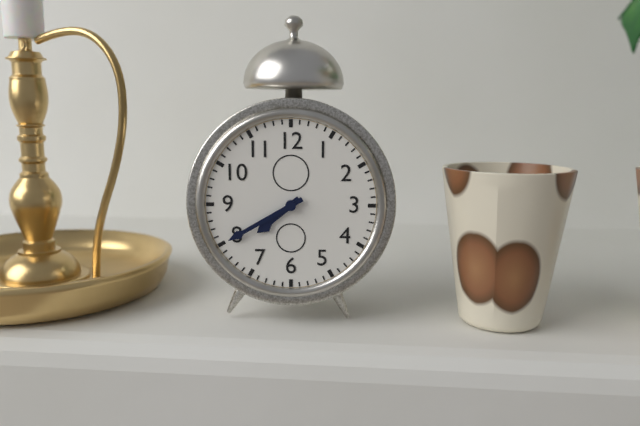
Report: 7 h 40 min
